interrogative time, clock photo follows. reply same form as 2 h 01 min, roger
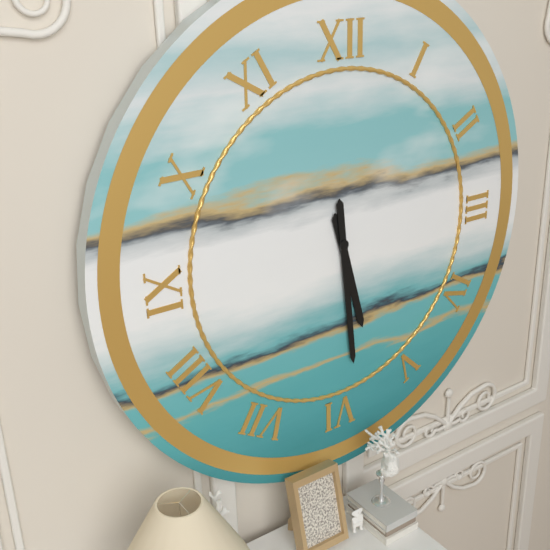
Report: 5 h 29 min
